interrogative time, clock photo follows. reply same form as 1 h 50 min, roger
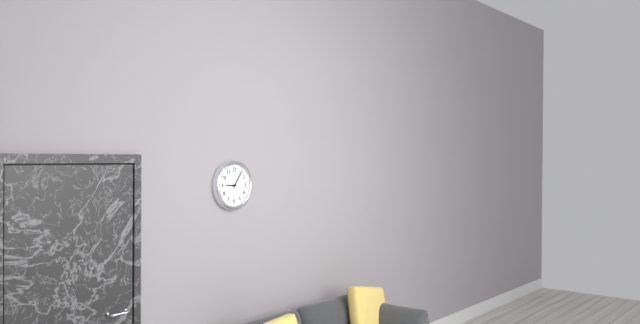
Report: 9 h 06 min
